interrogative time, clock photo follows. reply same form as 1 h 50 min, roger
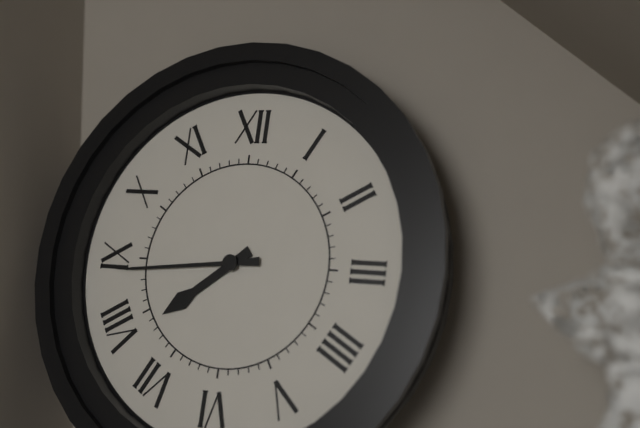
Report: 7 h 44 min
